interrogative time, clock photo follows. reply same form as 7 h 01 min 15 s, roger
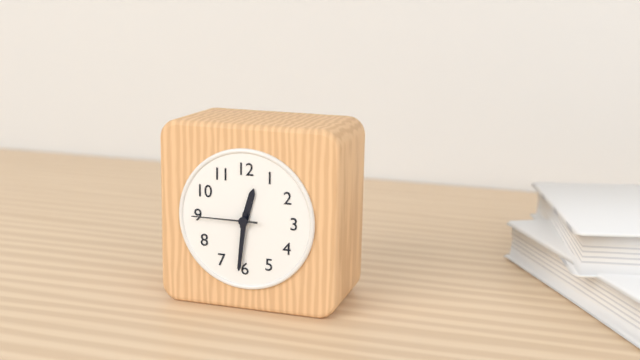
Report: 12 h 31 min 45 s
